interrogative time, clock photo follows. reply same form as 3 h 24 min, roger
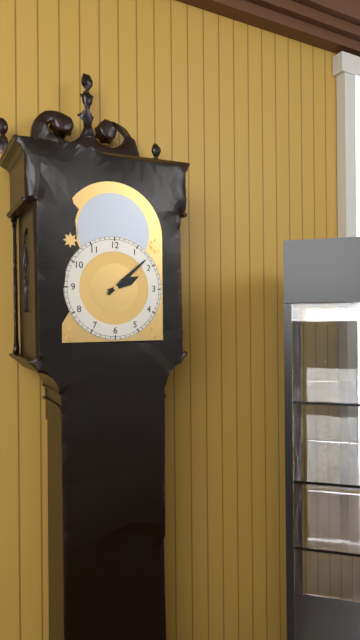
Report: 2 h 08 min
